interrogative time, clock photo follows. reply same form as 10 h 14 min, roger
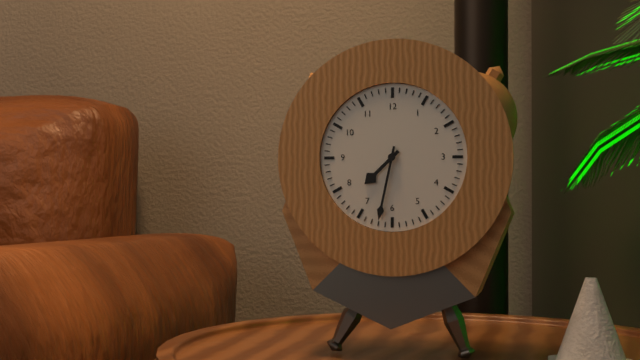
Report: 7 h 32 min
